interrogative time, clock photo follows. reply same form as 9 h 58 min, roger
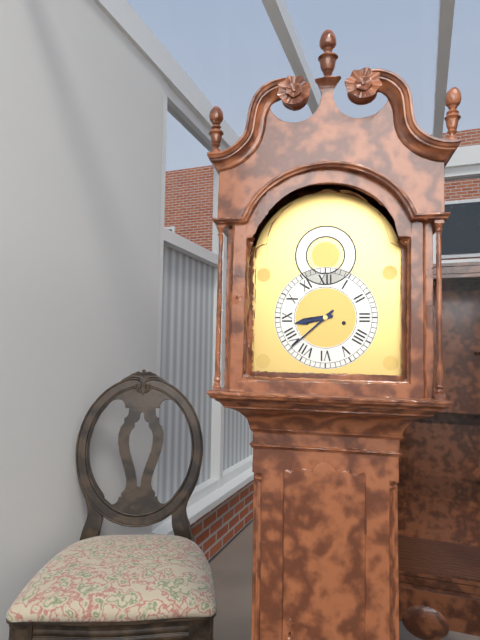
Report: 8 h 38 min
